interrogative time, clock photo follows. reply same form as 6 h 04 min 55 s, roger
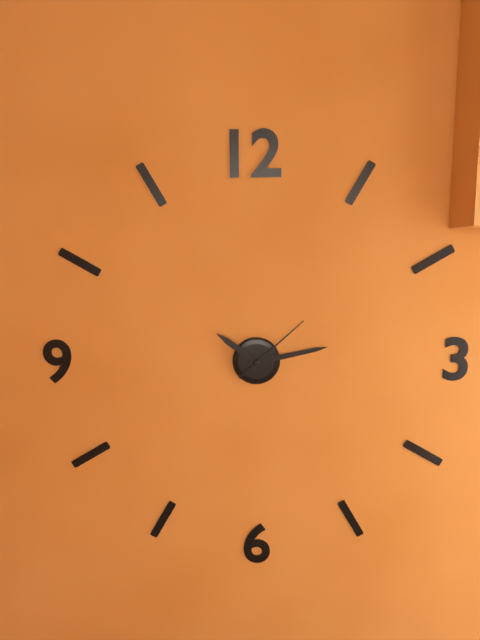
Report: 10 h 13 min 08 s
